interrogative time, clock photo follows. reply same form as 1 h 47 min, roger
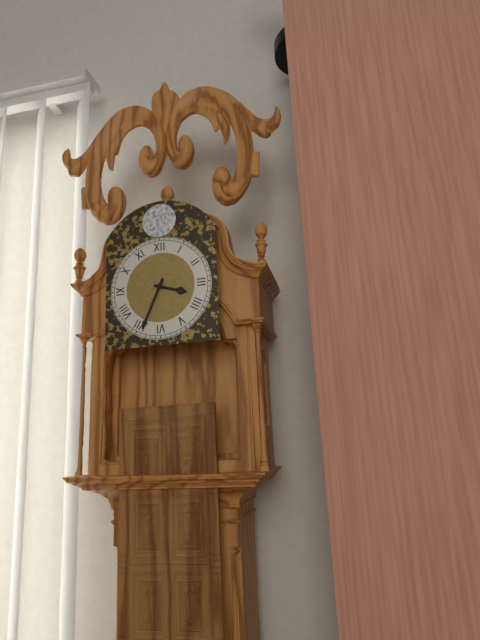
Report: 3 h 34 min
